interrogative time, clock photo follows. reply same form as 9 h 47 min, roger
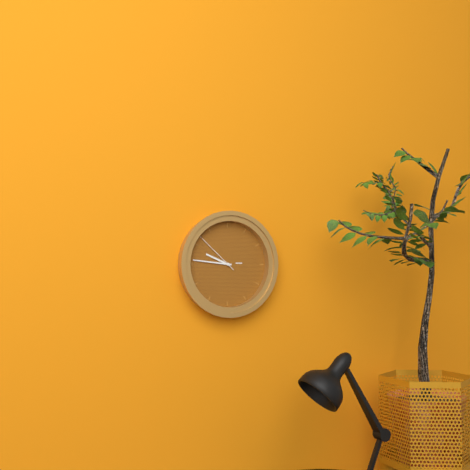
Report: 9 h 46 min
